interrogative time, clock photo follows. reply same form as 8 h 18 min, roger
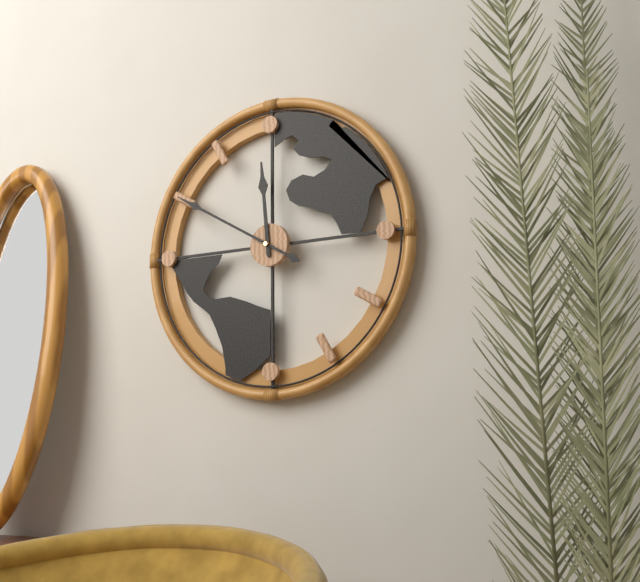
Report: 11 h 50 min
